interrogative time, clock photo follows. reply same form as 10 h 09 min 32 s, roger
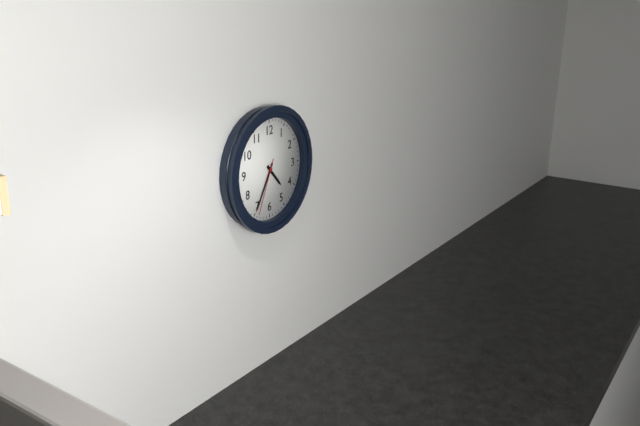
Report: 4 h 35 min 34 s
